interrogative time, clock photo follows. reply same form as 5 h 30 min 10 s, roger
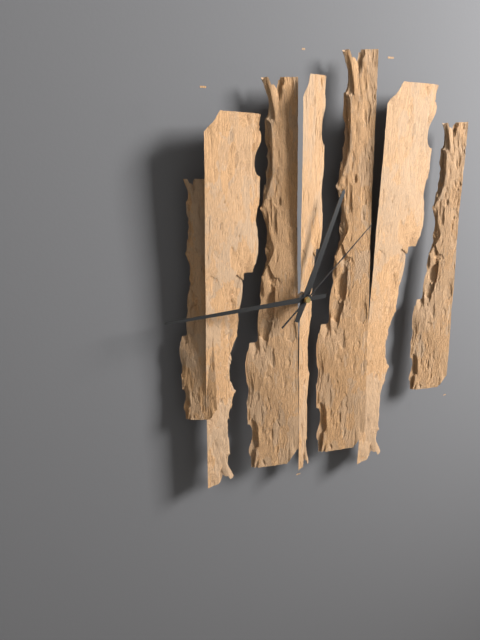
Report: 12 h 45 min 08 s
